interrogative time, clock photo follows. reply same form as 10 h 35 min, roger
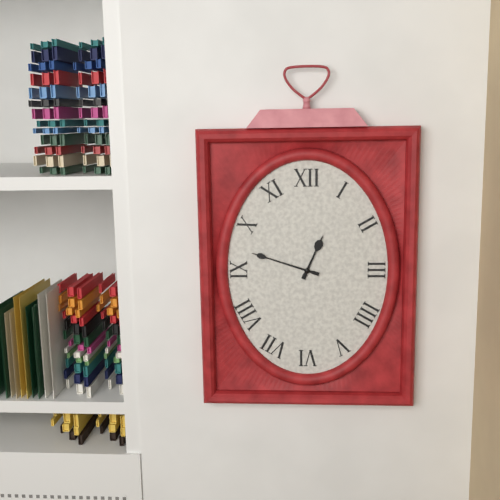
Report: 12 h 48 min
